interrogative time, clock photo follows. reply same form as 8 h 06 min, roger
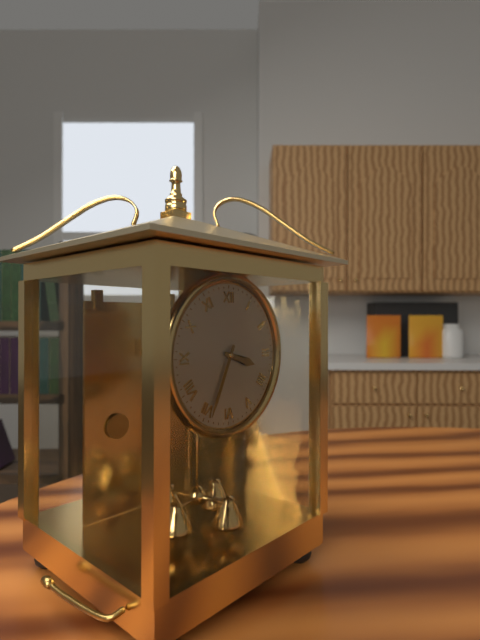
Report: 3 h 34 min
